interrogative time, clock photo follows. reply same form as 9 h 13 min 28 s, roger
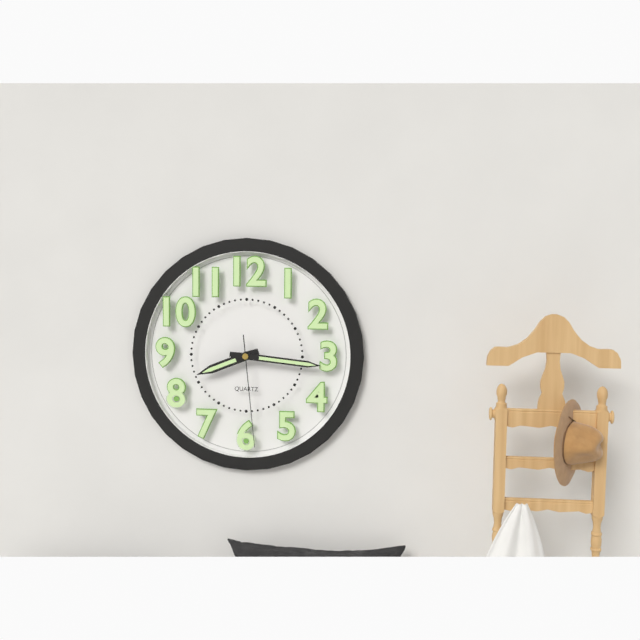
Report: 8 h 16 min 29 s
